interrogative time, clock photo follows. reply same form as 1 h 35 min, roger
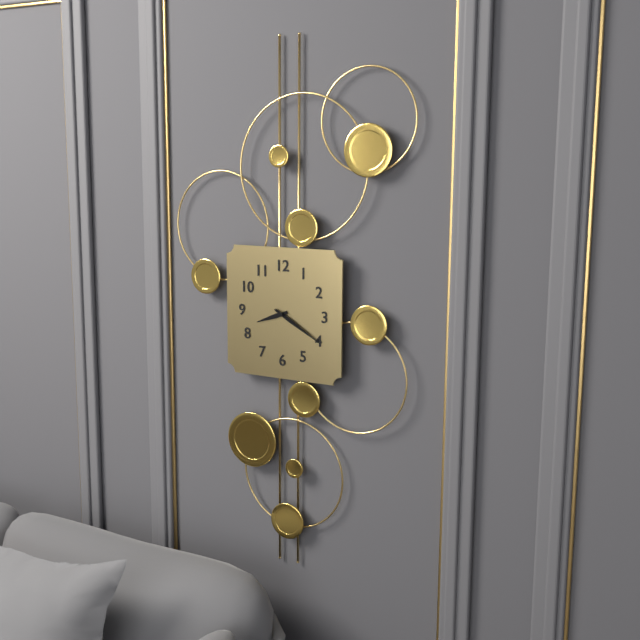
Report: 8 h 20 min
